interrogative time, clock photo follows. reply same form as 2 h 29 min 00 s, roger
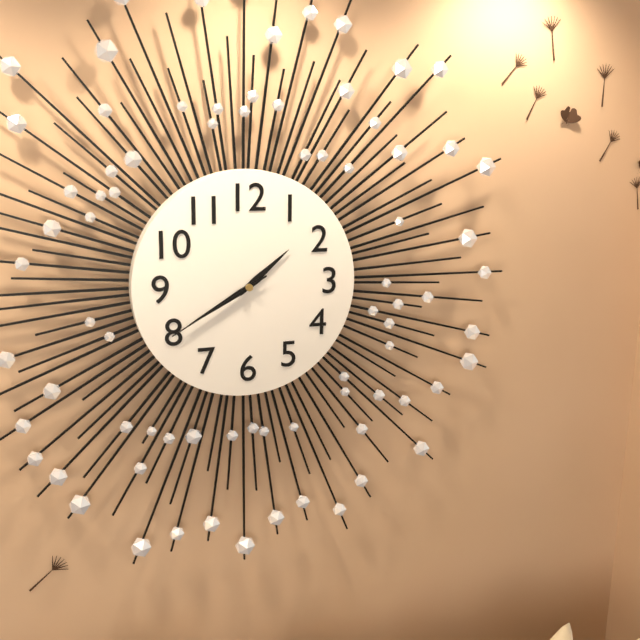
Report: 1 h 40 min 40 s
